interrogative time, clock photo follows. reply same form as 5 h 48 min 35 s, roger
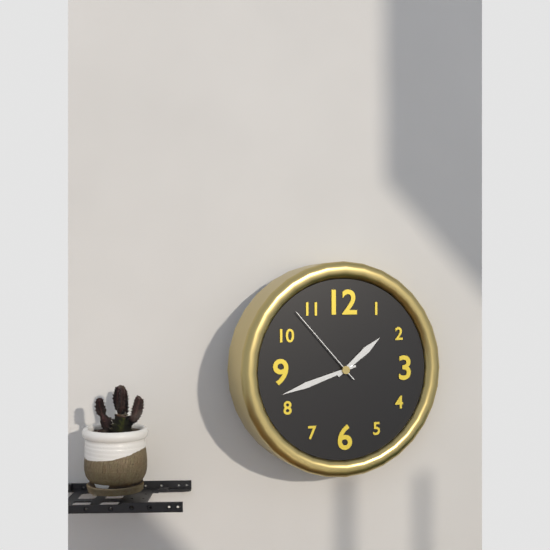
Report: 1 h 42 min 53 s
